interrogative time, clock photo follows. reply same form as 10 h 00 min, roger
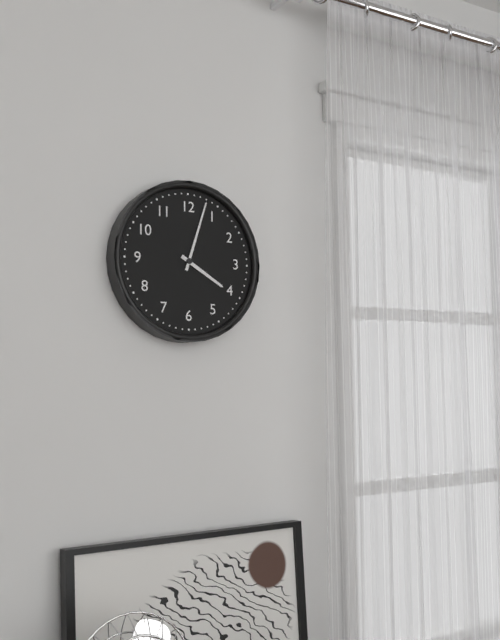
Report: 4 h 03 min
